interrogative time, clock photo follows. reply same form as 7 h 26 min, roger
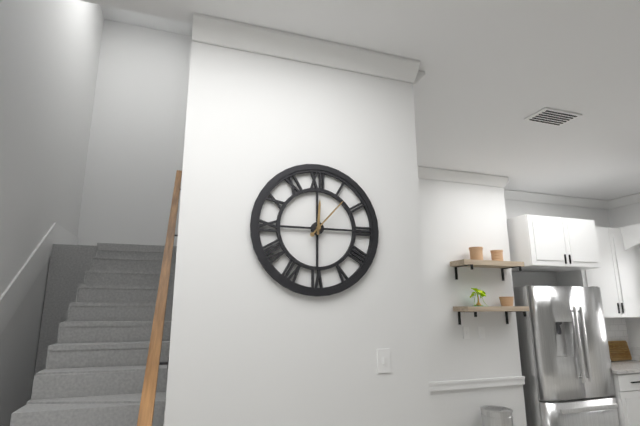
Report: 12 h 07 min
